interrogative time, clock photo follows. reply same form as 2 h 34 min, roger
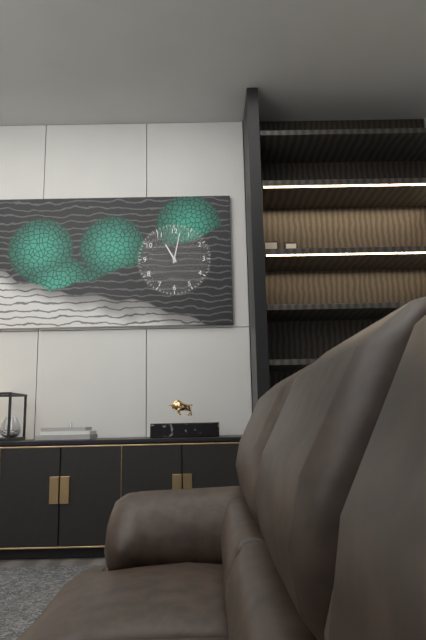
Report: 11 h 02 min
